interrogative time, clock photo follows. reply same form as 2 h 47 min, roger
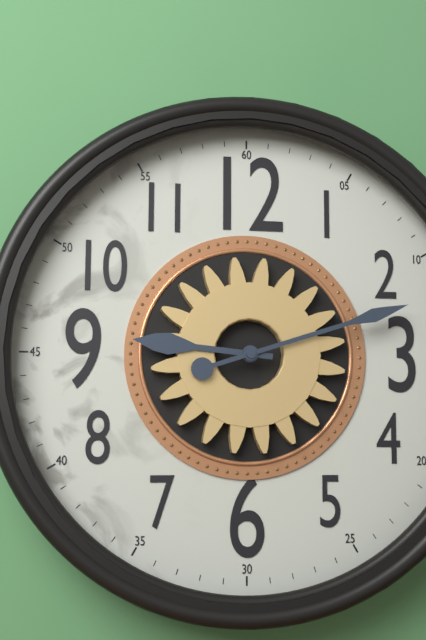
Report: 9 h 12 min
